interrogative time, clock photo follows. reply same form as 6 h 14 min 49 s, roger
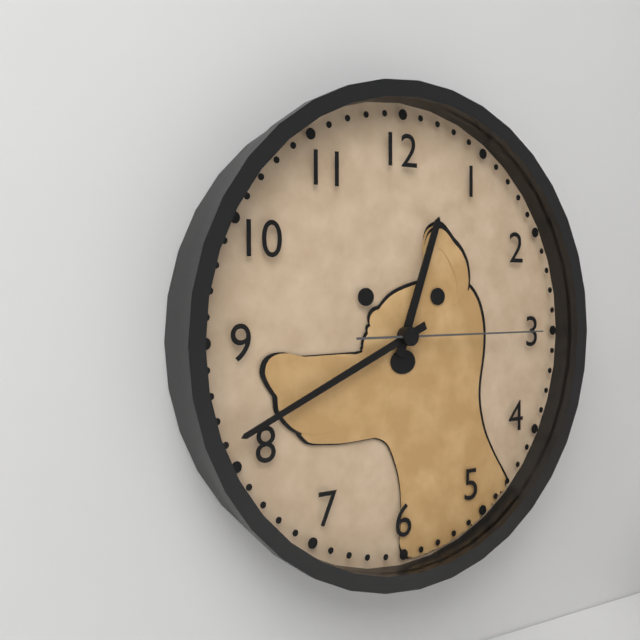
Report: 12 h 41 min 15 s
